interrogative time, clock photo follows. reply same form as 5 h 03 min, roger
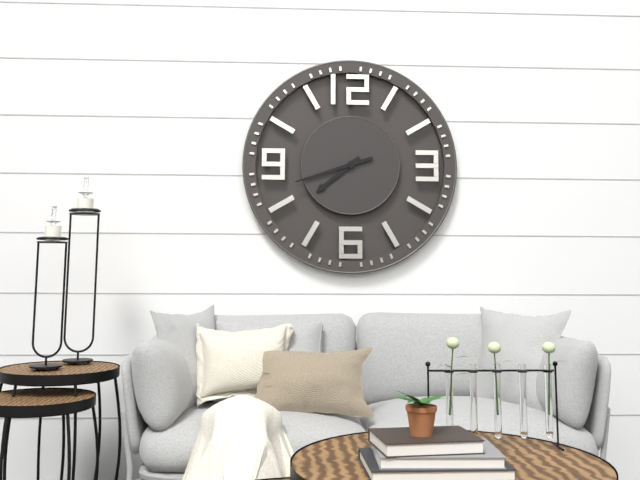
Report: 7 h 42 min
